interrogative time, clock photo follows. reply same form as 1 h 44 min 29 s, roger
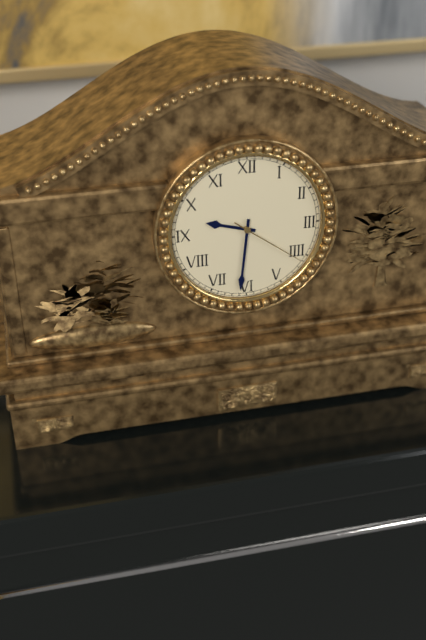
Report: 9 h 31 min 21 s
